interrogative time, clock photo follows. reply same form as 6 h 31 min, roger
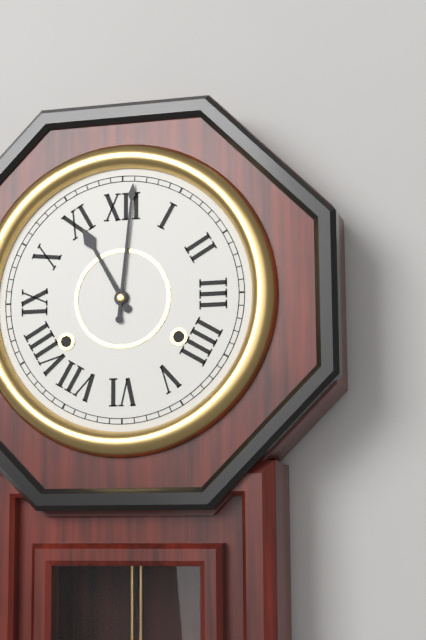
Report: 11 h 01 min
